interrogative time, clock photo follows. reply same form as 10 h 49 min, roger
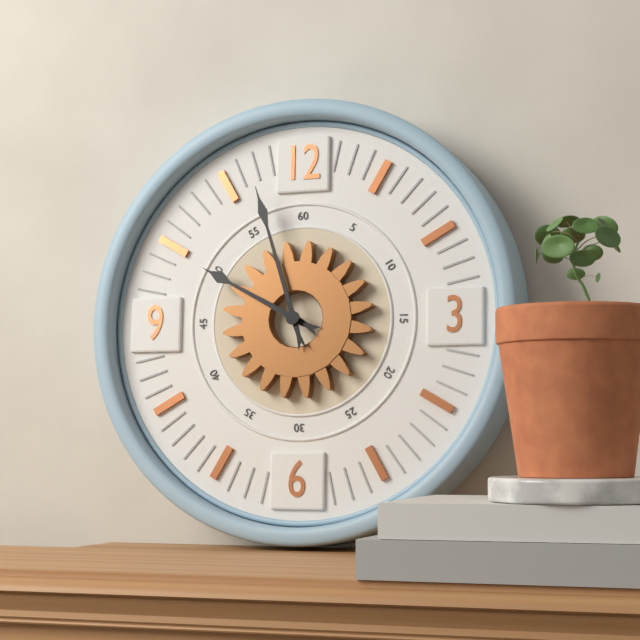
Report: 9 h 57 min
